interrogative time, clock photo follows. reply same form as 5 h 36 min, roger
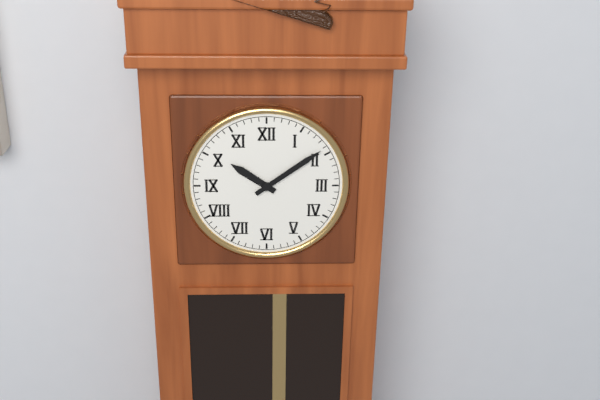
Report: 10 h 09 min
